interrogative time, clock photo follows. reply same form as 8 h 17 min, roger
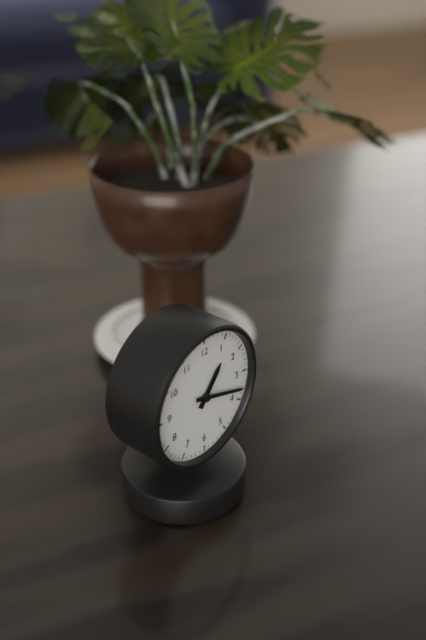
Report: 1 h 18 min
